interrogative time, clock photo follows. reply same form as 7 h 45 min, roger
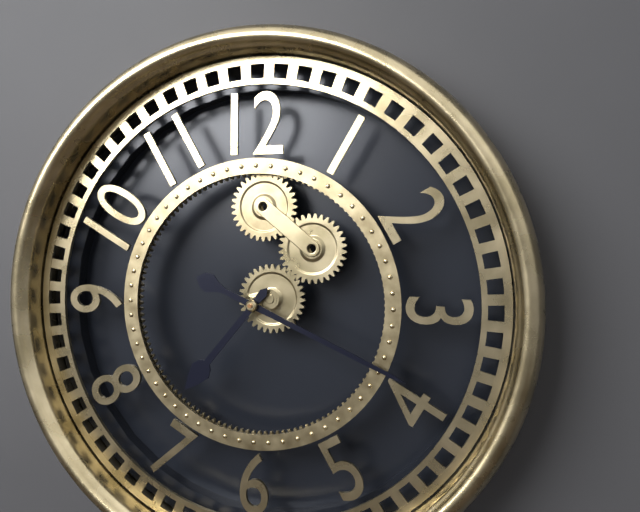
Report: 7 h 19 min
